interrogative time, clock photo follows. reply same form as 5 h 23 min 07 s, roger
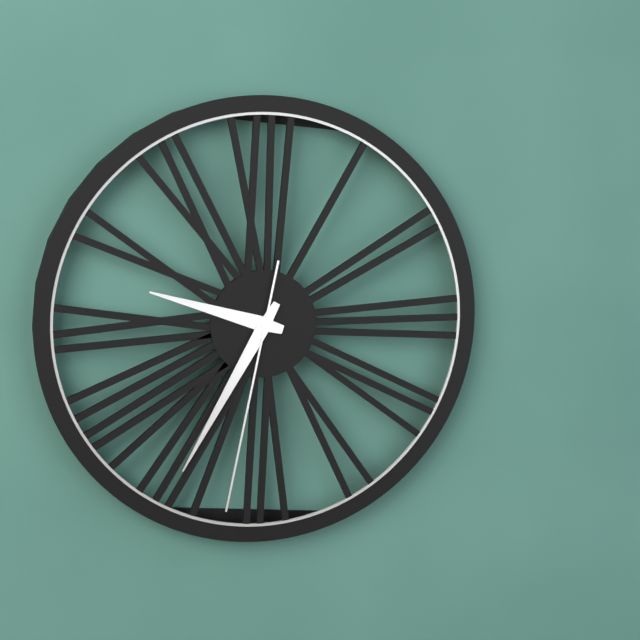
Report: 9 h 35 min 32 s
